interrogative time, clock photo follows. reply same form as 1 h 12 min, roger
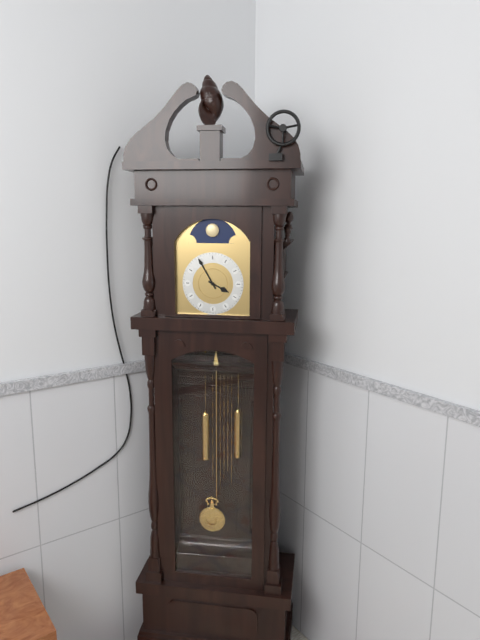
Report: 3 h 55 min
